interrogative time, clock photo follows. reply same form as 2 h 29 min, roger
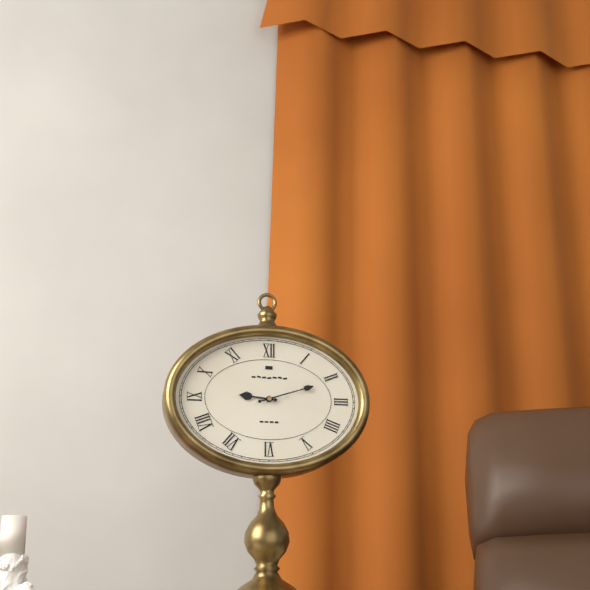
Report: 9 h 12 min
